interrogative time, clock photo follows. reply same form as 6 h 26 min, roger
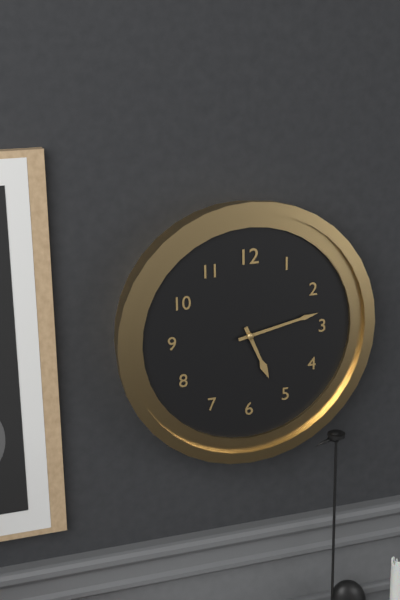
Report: 5 h 13 min
